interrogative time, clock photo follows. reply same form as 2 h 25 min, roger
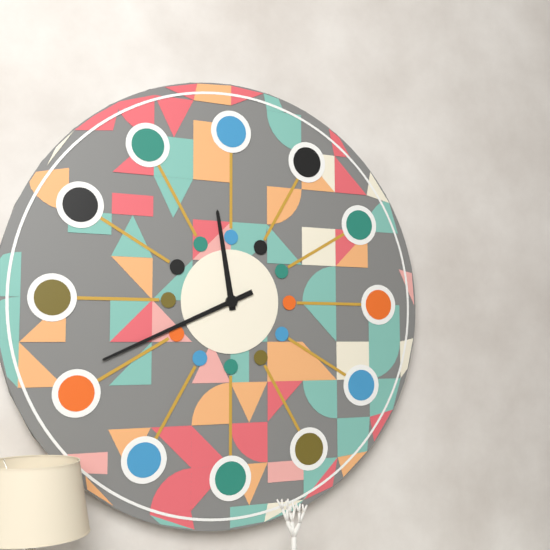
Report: 11 h 41 min
